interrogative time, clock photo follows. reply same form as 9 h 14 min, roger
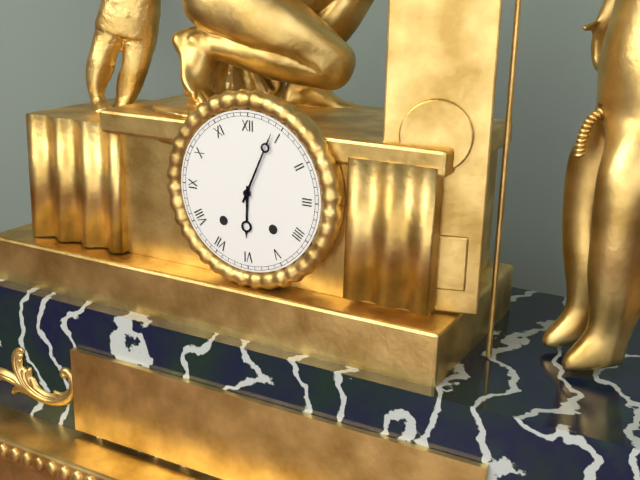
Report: 6 h 04 min
